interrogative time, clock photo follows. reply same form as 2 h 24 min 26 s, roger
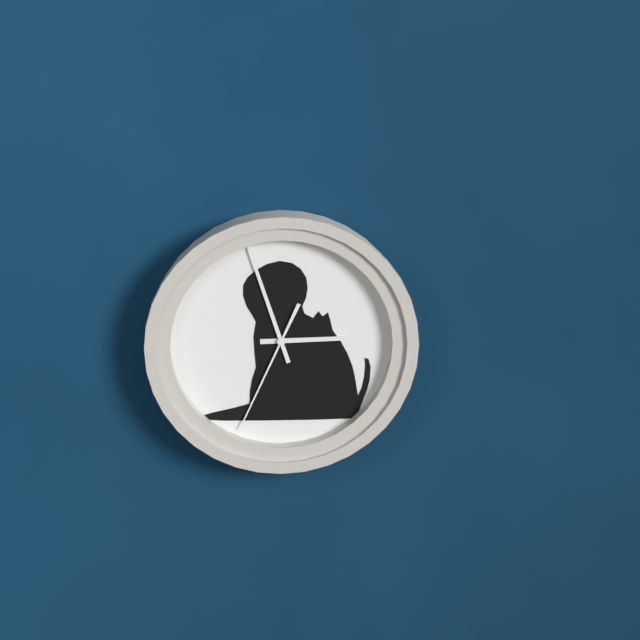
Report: 2 h 57 min 34 s
